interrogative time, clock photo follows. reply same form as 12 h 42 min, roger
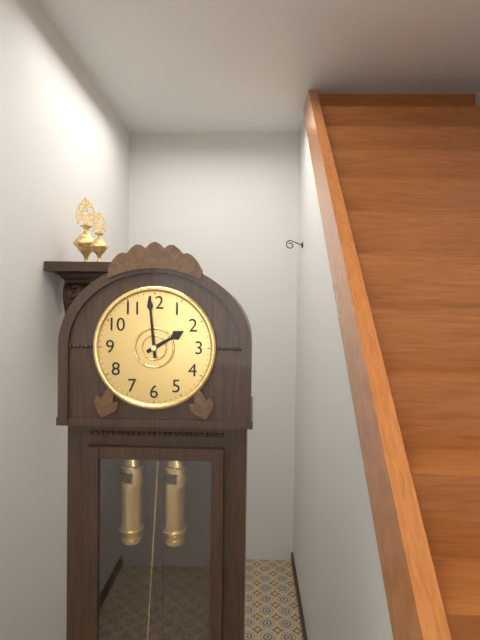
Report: 1 h 59 min
